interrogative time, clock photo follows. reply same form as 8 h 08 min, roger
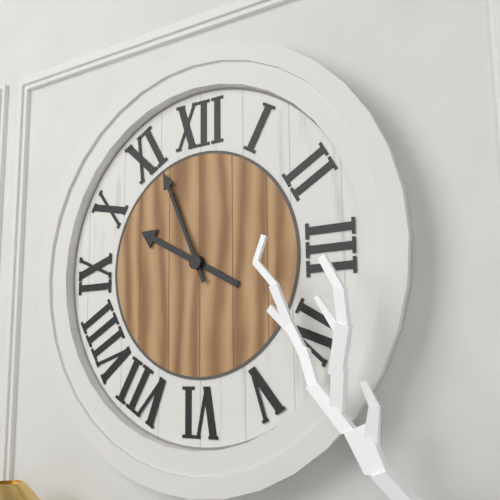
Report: 9 h 56 min
